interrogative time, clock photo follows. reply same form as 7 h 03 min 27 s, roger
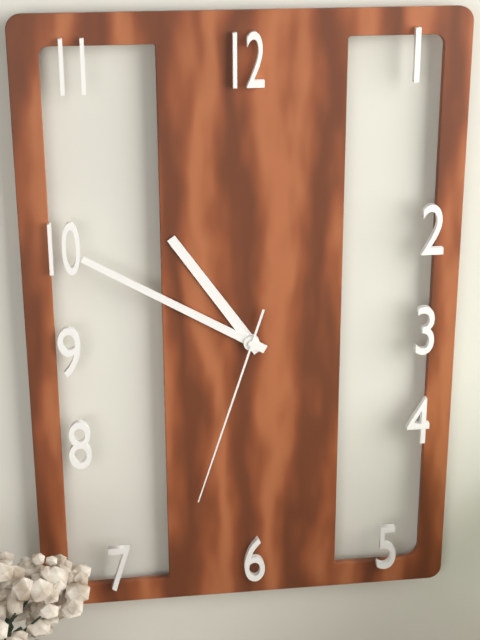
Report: 10 h 50 min 33 s
